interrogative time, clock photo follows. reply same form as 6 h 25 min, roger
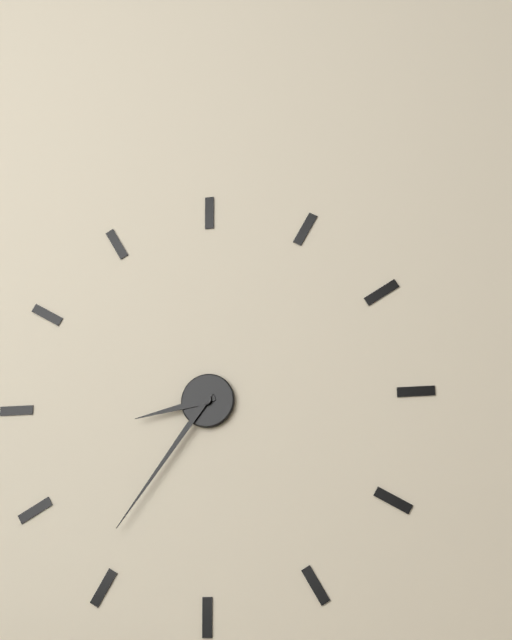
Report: 8 h 36 min
